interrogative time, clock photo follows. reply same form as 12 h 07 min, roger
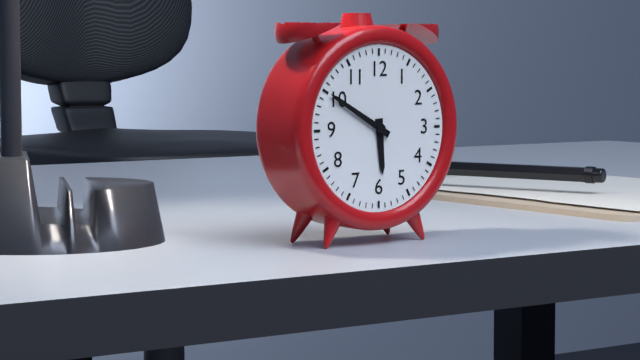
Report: 5 h 50 min
